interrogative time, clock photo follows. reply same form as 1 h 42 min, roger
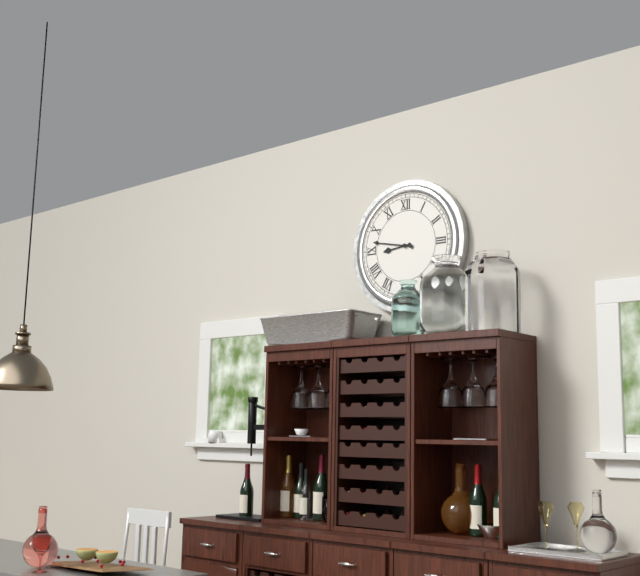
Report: 8 h 47 min
